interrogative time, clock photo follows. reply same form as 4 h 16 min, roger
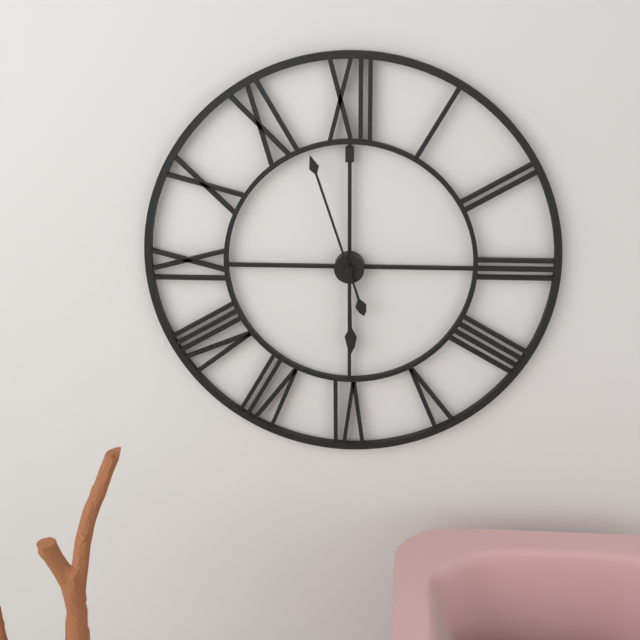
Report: 5 h 57 min
